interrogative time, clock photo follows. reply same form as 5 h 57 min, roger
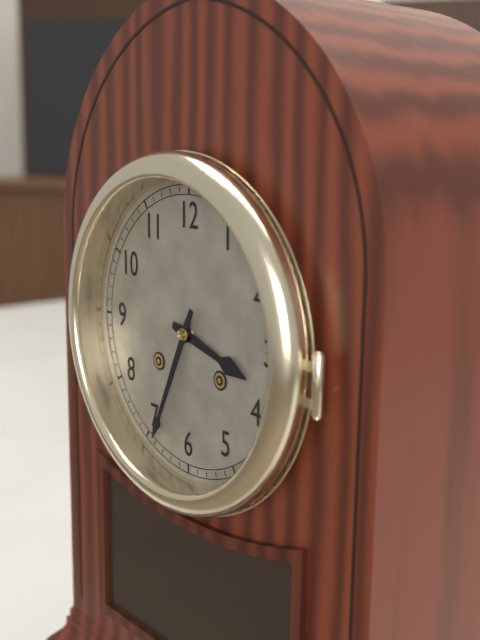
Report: 3 h 34 min
